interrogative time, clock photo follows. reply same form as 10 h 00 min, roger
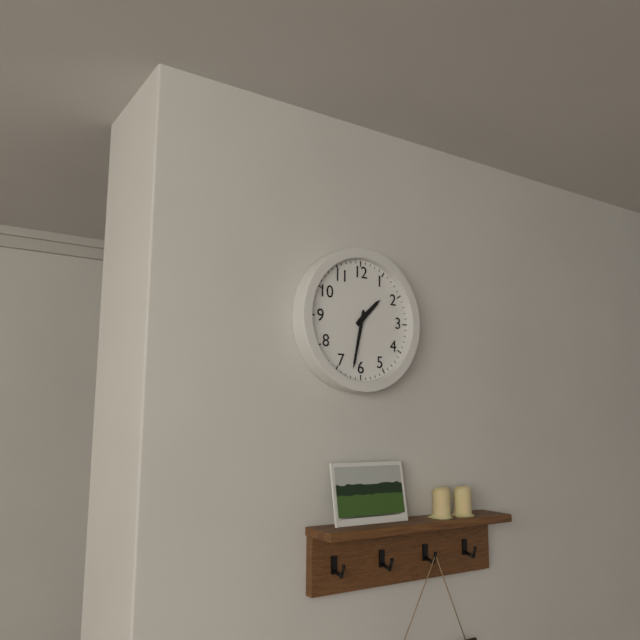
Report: 1 h 32 min
